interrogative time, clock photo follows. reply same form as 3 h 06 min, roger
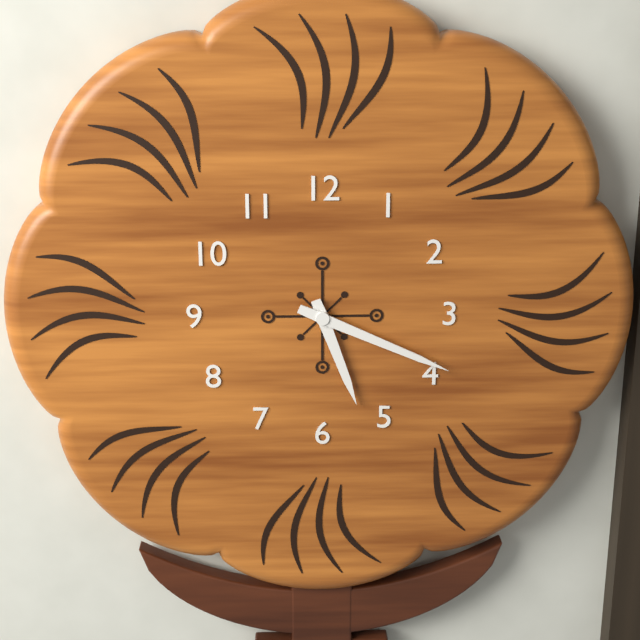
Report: 5 h 19 min
